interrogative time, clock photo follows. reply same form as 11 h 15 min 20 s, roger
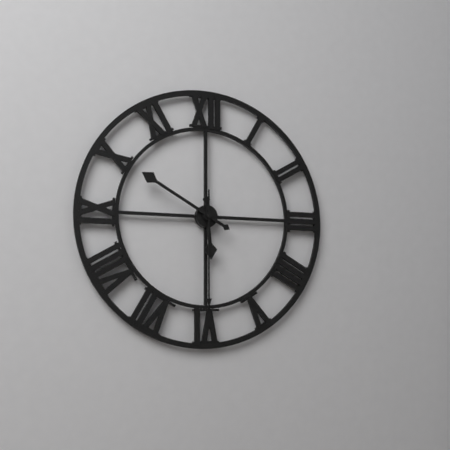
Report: 5 h 50 min 30 s
